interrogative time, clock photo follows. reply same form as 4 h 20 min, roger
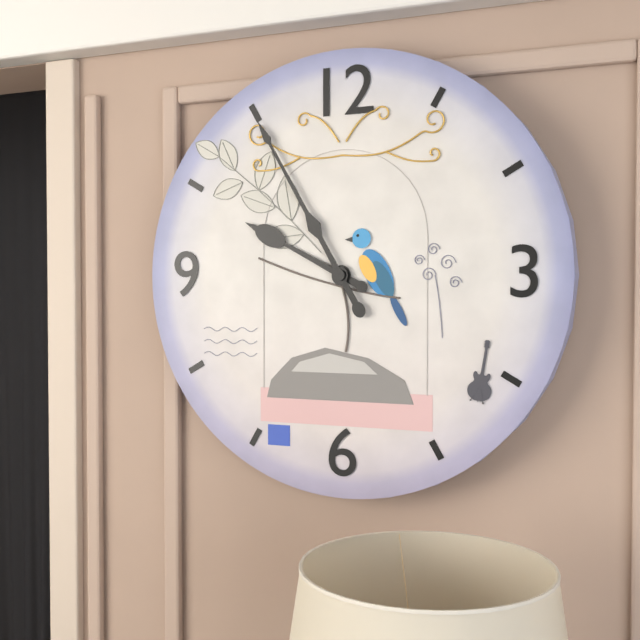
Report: 9 h 55 min
